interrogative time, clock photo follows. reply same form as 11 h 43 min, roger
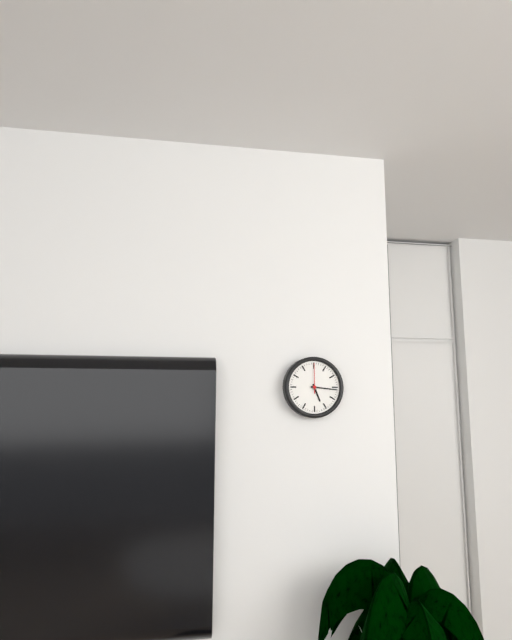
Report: 5 h 16 min
